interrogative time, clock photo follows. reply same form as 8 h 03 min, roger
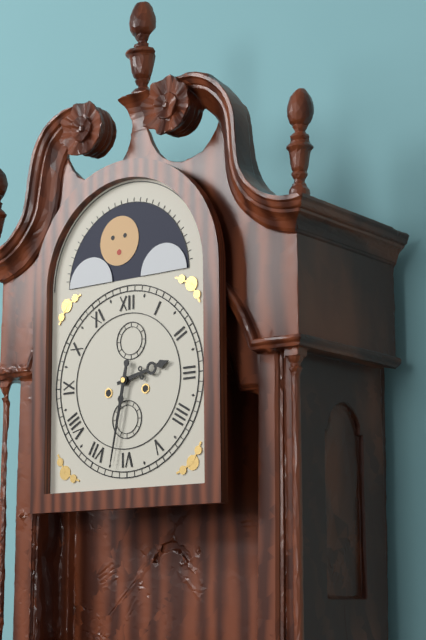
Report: 2 h 32 min
